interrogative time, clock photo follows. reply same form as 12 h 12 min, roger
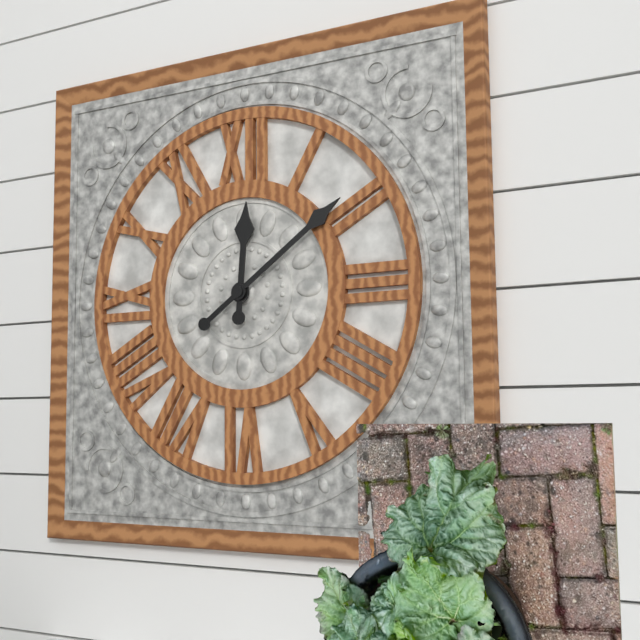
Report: 12 h 09 min
